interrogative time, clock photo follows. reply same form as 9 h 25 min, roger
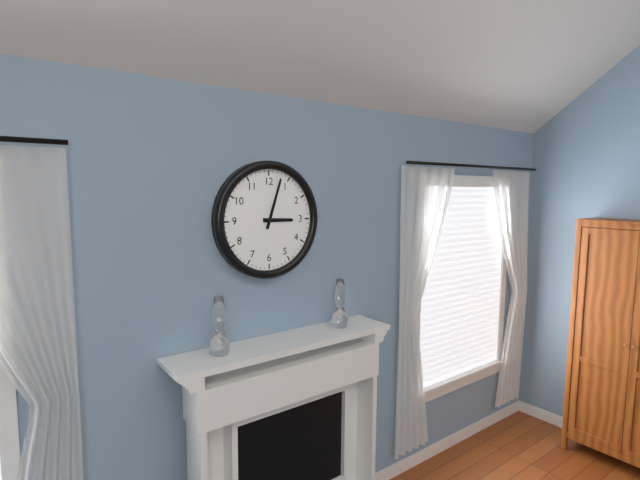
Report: 3 h 03 min
